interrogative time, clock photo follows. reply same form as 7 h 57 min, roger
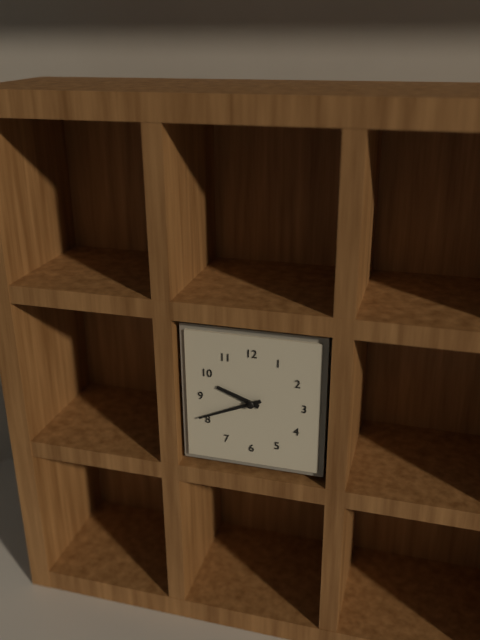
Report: 9 h 41 min
